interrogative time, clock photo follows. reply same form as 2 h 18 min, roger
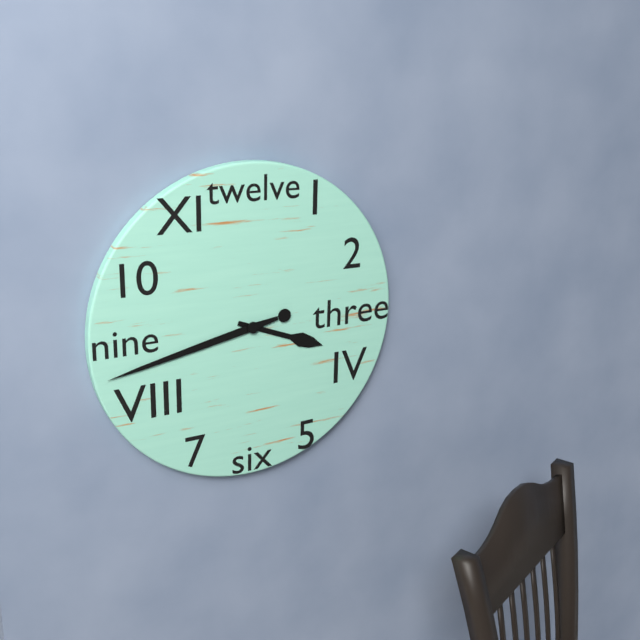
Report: 3 h 43 min
